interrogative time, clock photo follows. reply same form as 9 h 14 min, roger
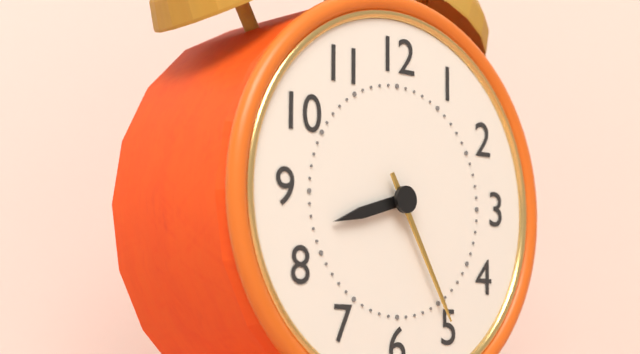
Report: 8 h 25 min
